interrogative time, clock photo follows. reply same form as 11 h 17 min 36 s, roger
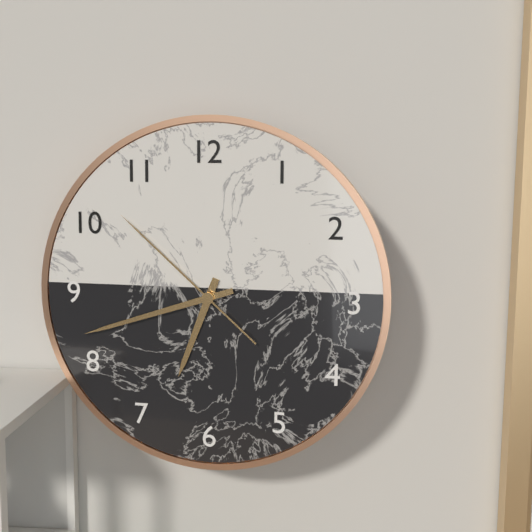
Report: 6 h 42 min 52 s
